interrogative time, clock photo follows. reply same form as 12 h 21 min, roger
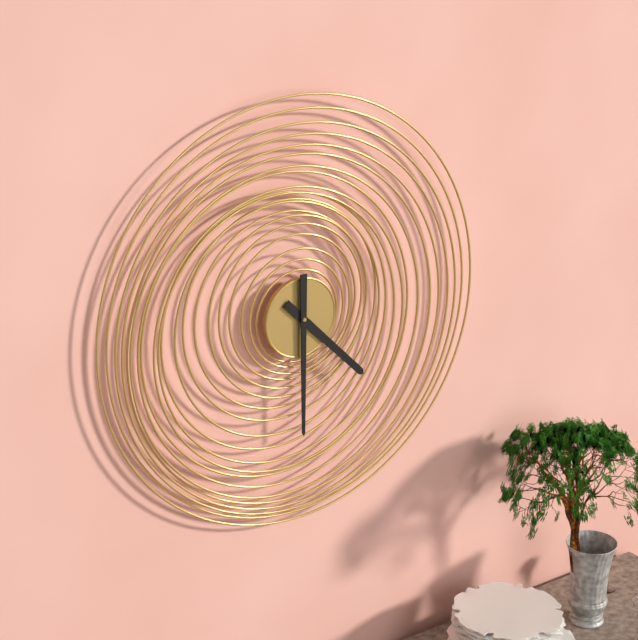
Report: 4 h 30 min
